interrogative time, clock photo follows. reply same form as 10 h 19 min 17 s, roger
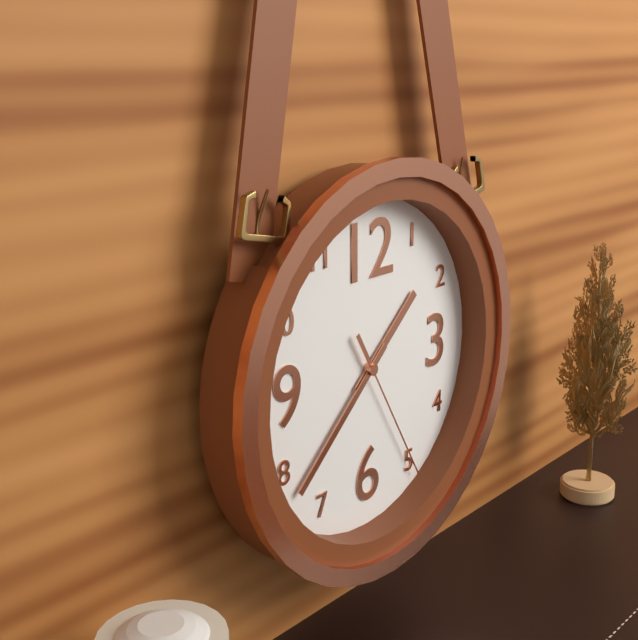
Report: 1 h 38 min 25 s
